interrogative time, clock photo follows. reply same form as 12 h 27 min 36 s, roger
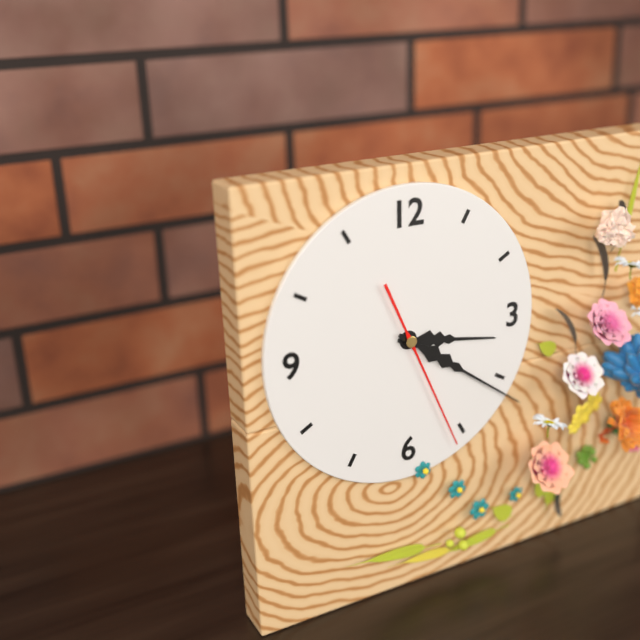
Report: 3 h 21 min 26 s
